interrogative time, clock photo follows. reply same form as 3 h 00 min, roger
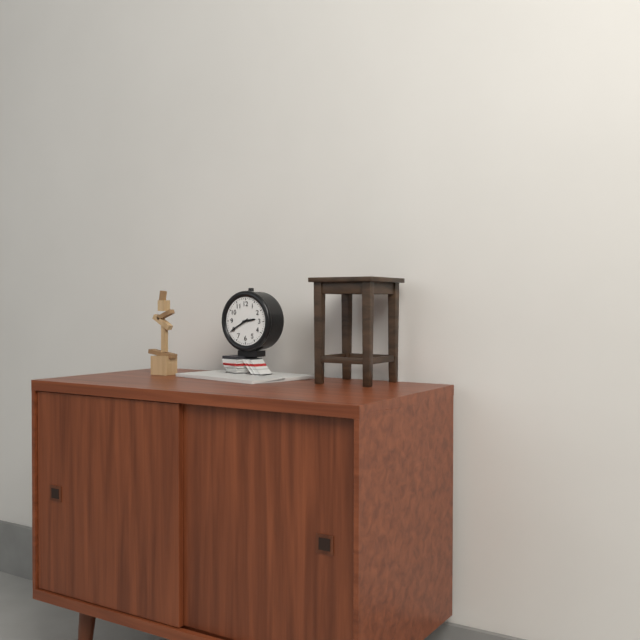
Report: 2 h 40 min
